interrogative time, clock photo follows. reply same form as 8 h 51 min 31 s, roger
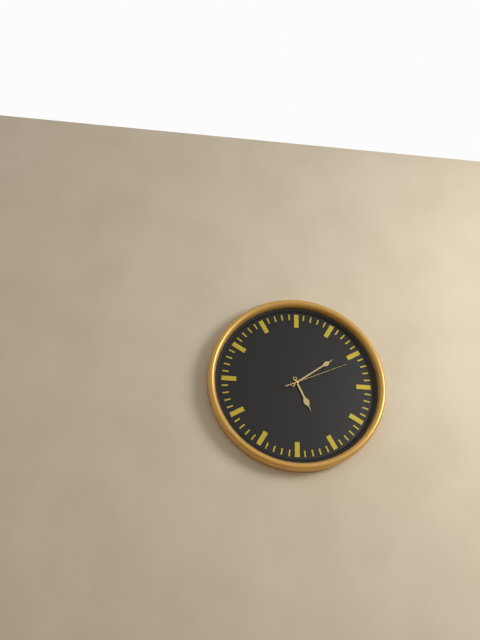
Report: 5 h 09 min 11 s
